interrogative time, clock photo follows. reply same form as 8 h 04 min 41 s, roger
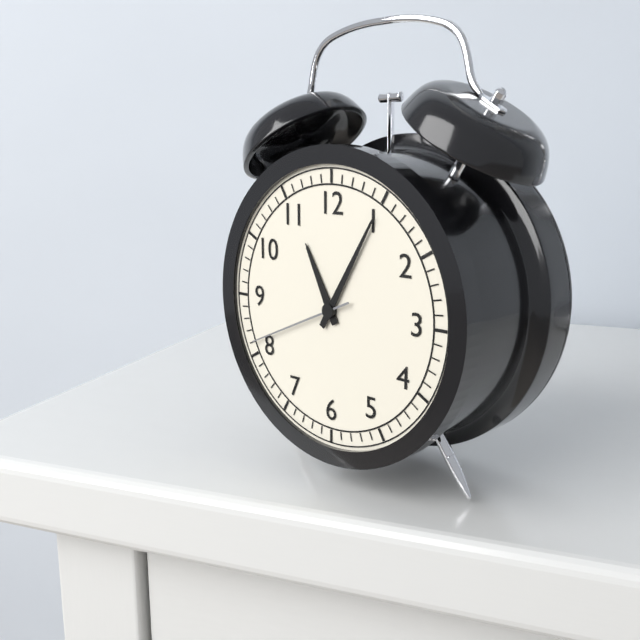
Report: 11 h 05 min 41 s
